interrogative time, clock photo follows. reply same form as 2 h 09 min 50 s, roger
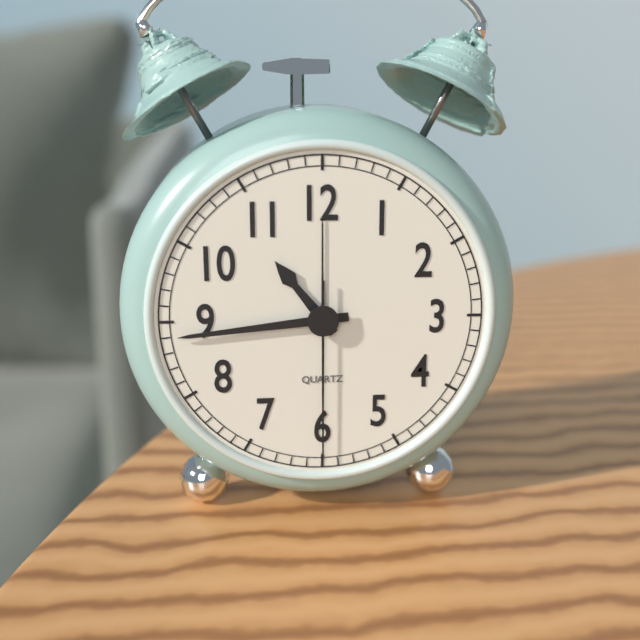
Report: 10 h 44 min 30 s
